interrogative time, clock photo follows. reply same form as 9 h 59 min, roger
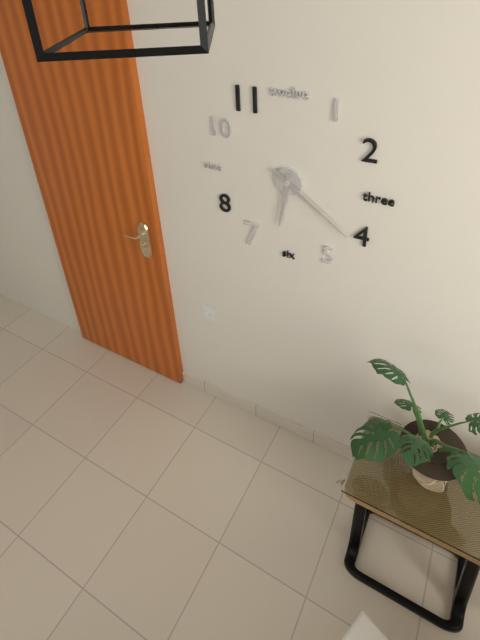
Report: 6 h 21 min
